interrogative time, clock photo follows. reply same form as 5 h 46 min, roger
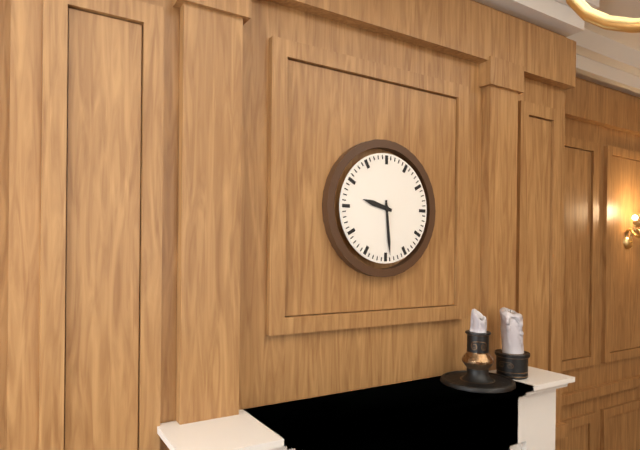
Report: 9 h 29 min
